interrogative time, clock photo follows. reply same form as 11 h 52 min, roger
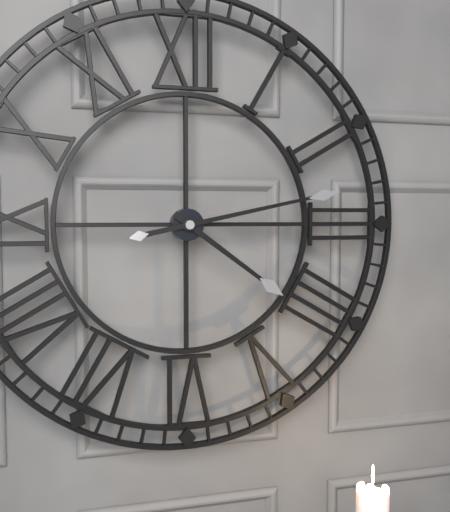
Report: 4 h 13 min
